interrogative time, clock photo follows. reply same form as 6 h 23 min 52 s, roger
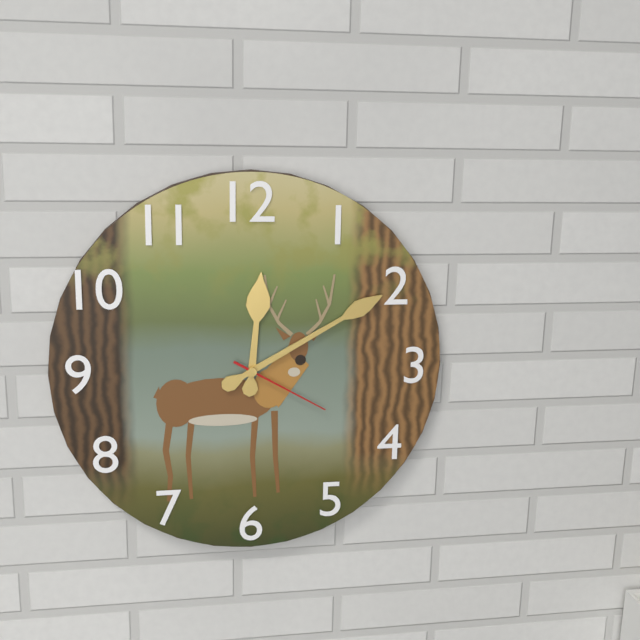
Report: 12 h 10 min 20 s
